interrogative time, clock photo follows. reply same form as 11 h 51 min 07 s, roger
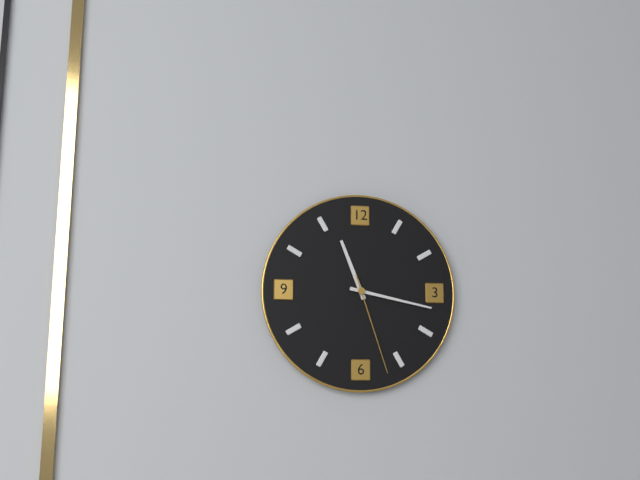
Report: 11 h 17 min 27 s
